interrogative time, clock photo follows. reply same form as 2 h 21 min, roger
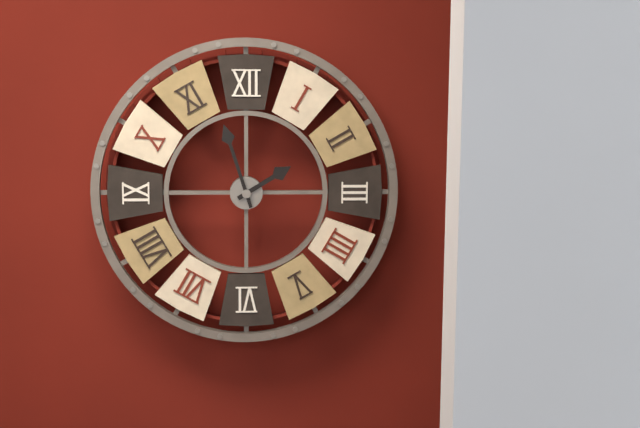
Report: 1 h 57 min
